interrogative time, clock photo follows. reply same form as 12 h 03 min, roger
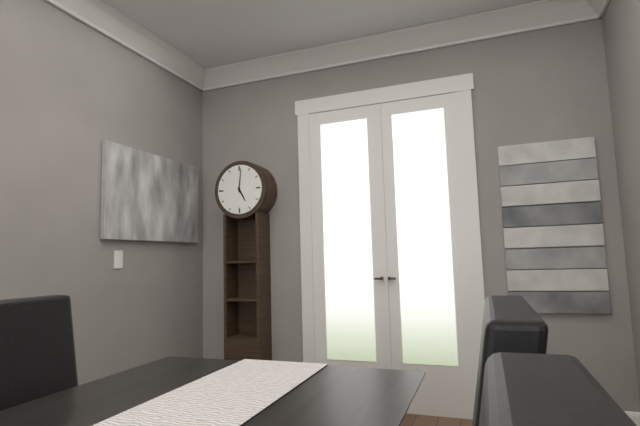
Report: 5 h 01 min
